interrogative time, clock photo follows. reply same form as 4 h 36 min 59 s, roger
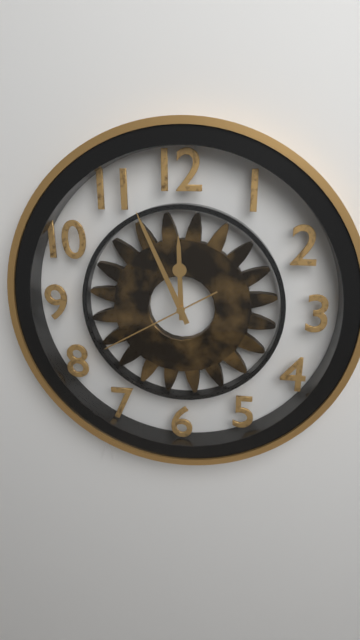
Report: 11 h 56 min 40 s
